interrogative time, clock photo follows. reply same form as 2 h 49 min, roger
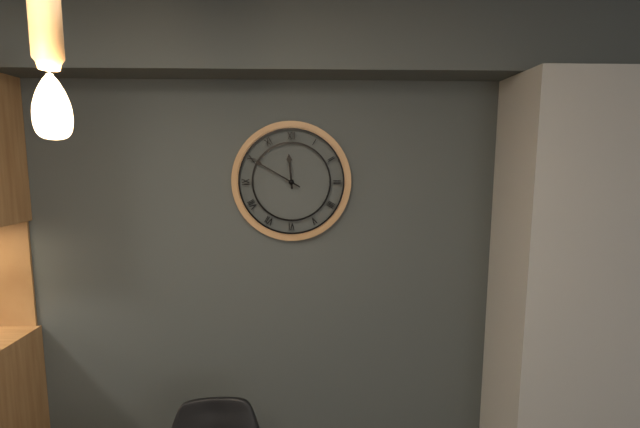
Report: 11 h 50 min
